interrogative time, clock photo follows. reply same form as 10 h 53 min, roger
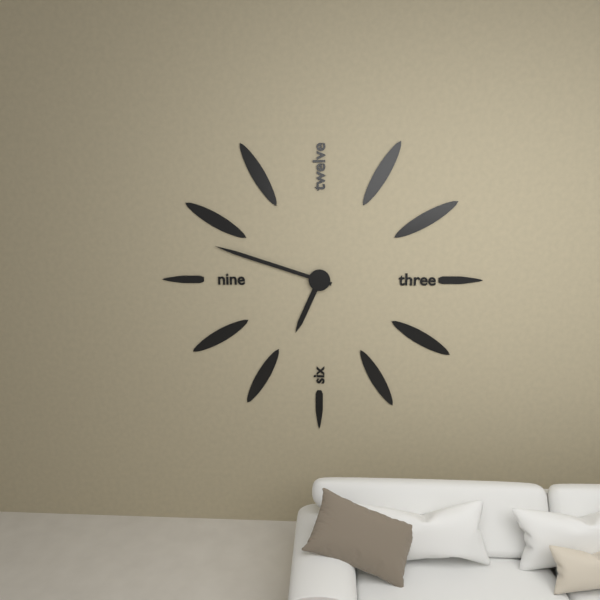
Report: 6 h 48 min
